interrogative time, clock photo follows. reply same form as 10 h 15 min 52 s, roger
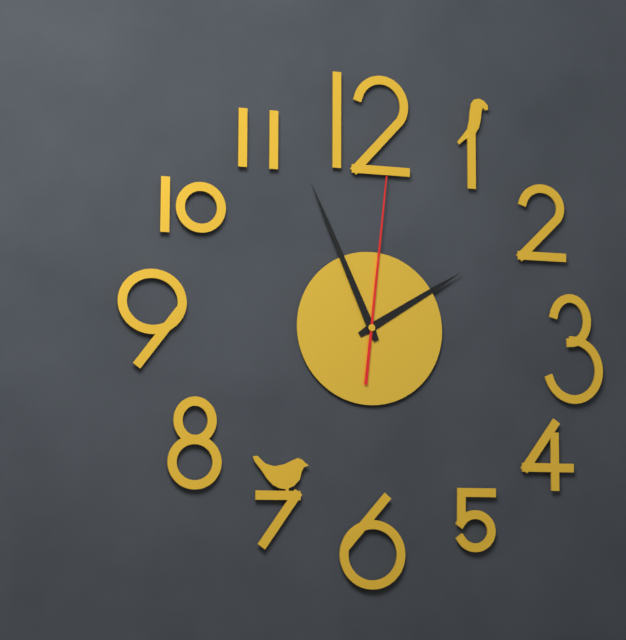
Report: 1 h 56 min 01 s
